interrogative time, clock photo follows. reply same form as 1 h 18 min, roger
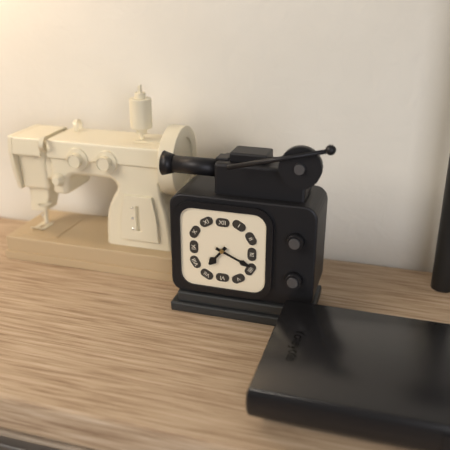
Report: 7 h 19 min
